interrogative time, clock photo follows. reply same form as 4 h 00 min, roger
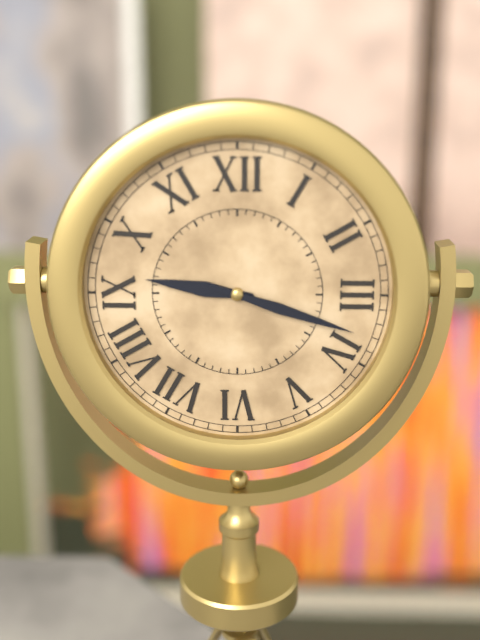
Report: 9 h 18 min
